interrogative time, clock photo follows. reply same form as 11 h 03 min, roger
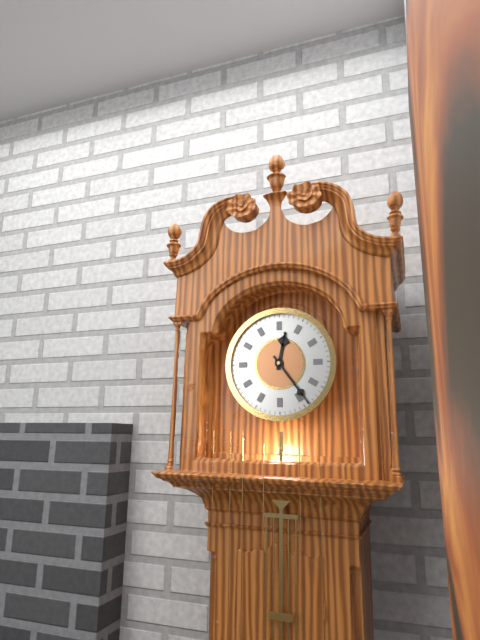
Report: 12 h 24 min
